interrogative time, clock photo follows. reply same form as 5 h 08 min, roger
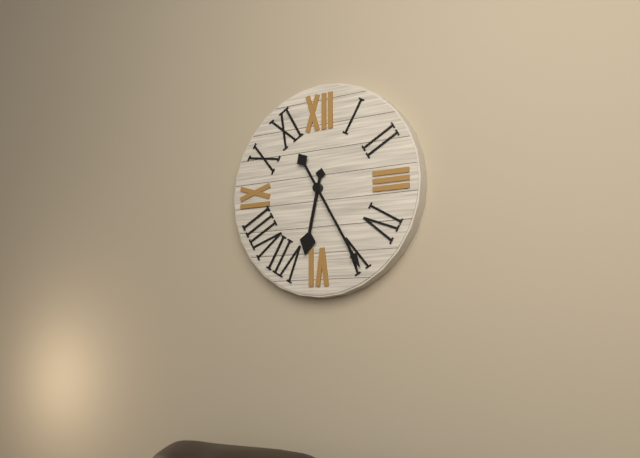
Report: 6 h 25 min
